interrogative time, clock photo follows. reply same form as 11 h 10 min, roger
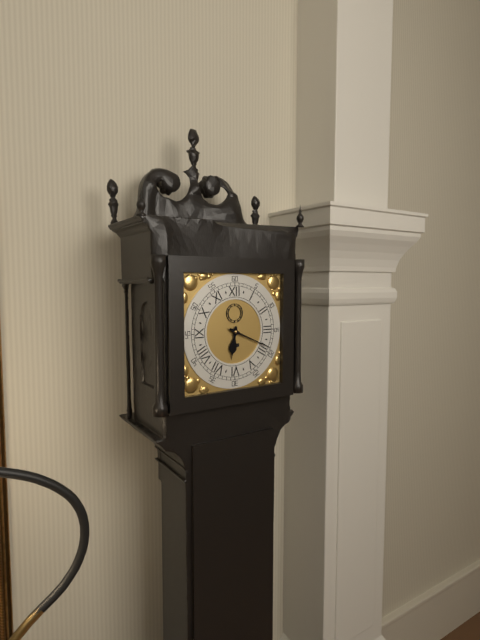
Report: 6 h 19 min
